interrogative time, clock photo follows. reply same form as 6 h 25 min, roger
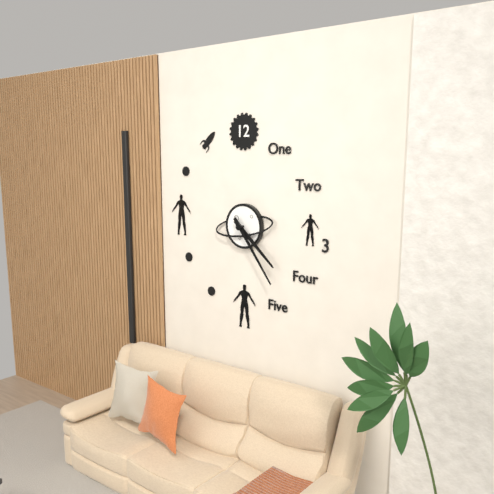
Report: 4 h 24 min
